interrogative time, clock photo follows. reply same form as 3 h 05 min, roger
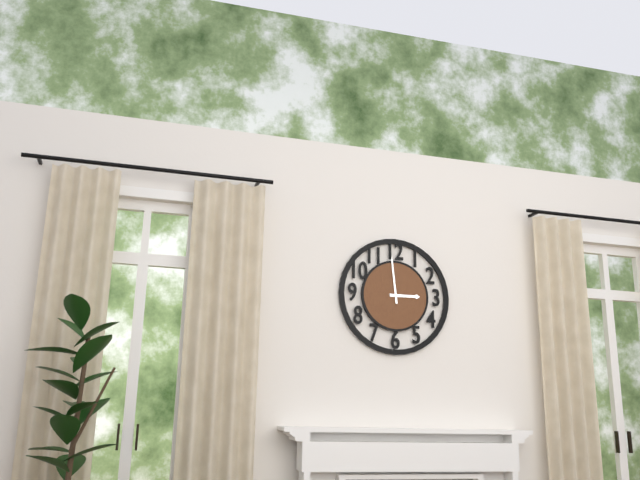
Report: 2 h 59 min
